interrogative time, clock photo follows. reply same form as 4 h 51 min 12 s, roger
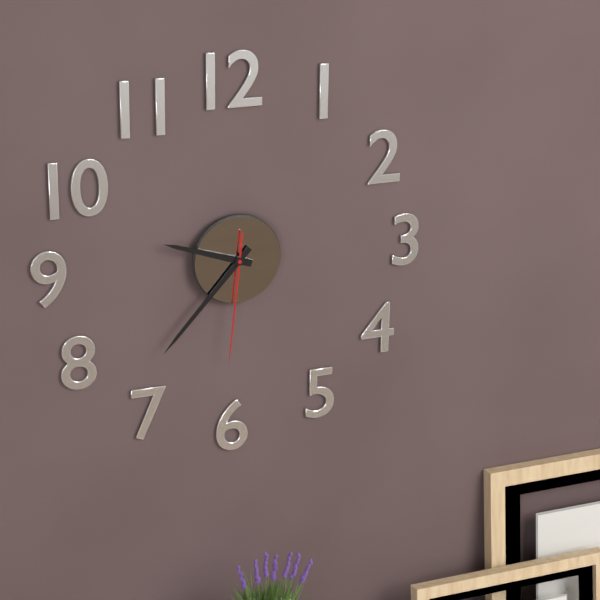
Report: 9 h 37 min 31 s
